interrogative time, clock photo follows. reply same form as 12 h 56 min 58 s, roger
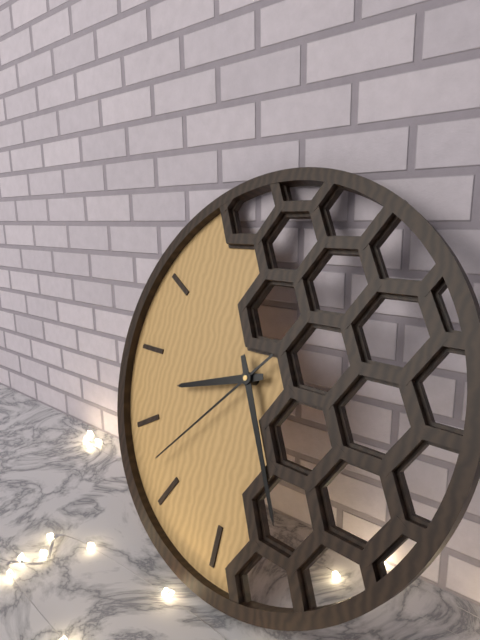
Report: 8 h 25 min 37 s
